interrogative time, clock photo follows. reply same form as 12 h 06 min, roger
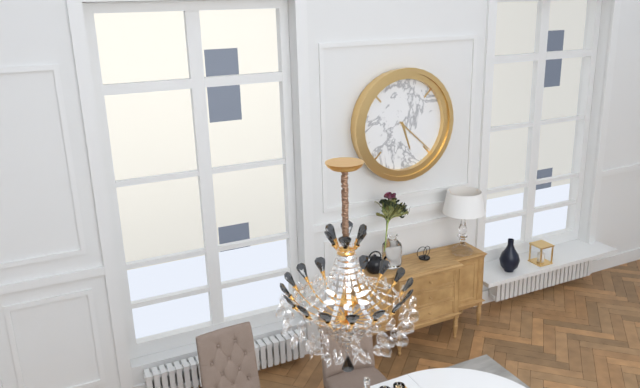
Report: 5 h 22 min
